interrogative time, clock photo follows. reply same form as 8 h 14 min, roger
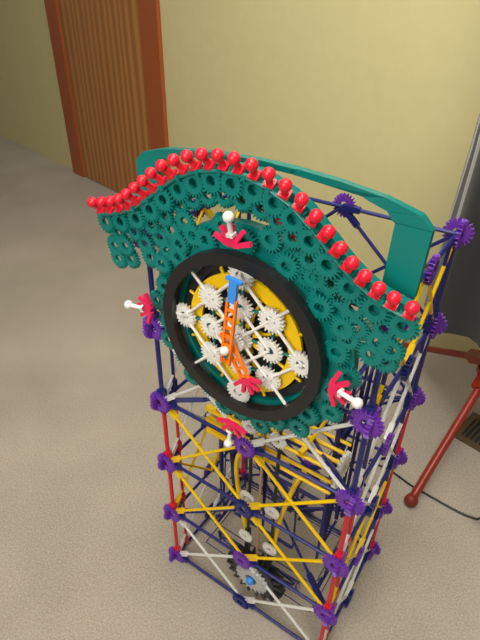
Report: 5 h 01 min
